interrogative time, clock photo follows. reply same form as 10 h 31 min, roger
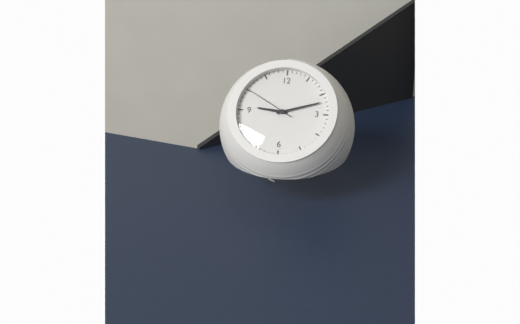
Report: 9 h 12 min
